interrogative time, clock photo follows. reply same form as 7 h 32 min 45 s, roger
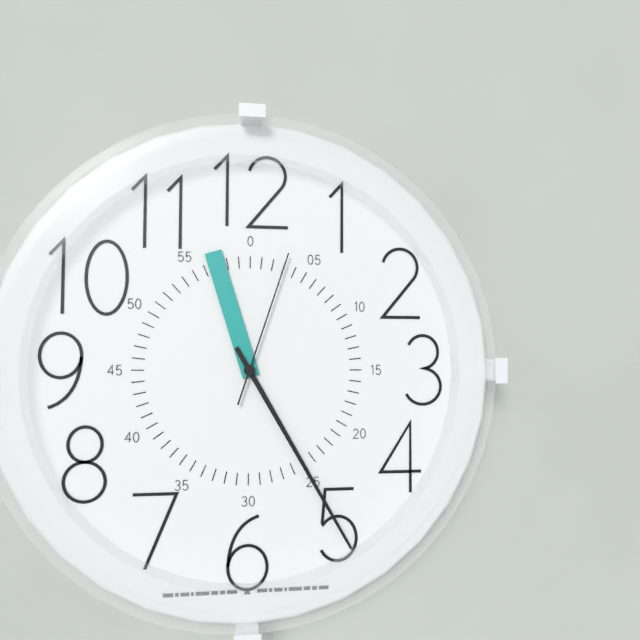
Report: 11 h 25 min 03 s
